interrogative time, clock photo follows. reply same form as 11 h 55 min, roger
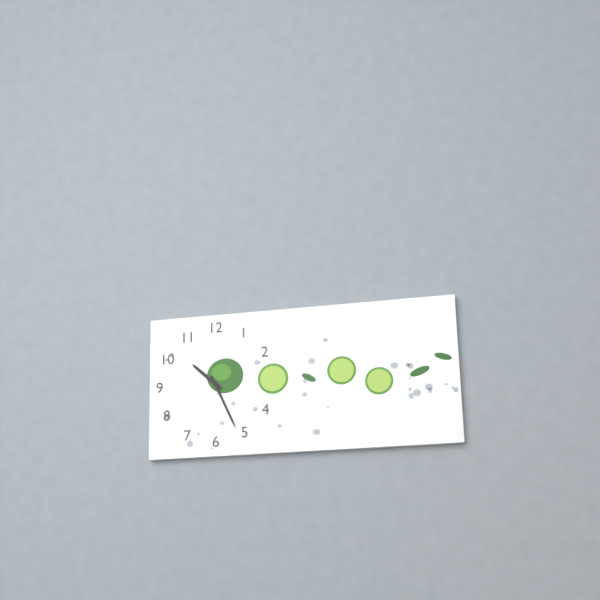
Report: 10 h 26 min
